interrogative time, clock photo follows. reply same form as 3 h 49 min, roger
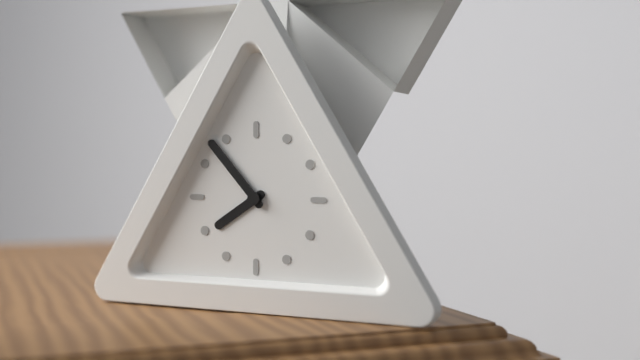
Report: 7 h 53 min
